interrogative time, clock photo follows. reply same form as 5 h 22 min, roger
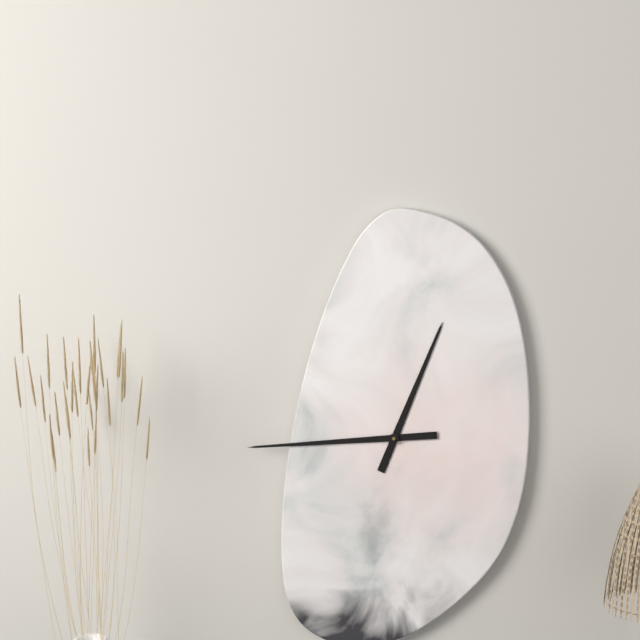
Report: 12 h 44 min
